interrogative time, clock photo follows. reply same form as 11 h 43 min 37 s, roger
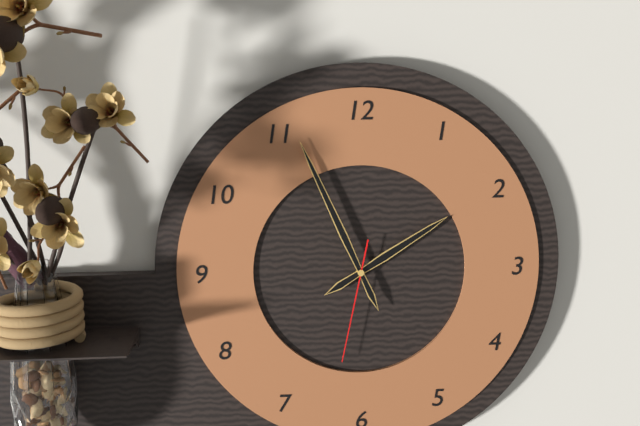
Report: 1 h 56 min 32 s
